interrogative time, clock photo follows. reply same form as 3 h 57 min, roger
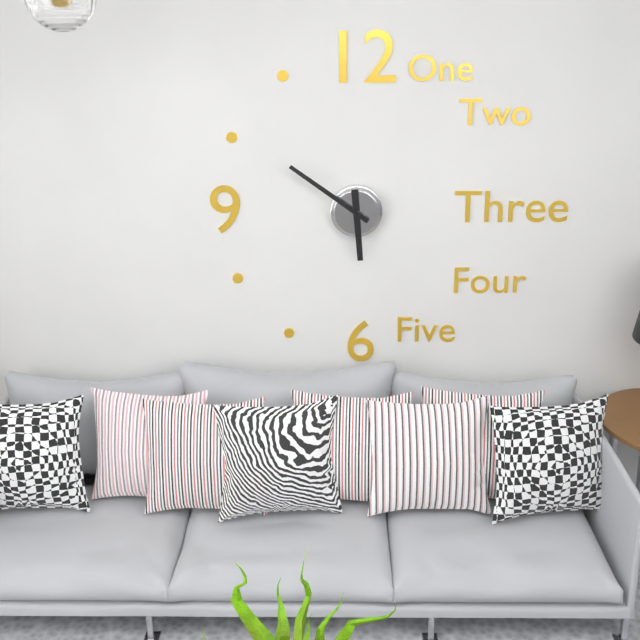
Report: 5 h 51 min
